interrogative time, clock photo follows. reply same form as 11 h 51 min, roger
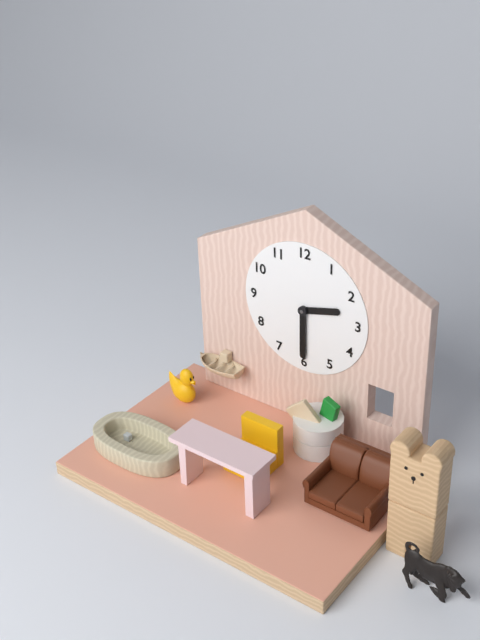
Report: 2 h 30 min
